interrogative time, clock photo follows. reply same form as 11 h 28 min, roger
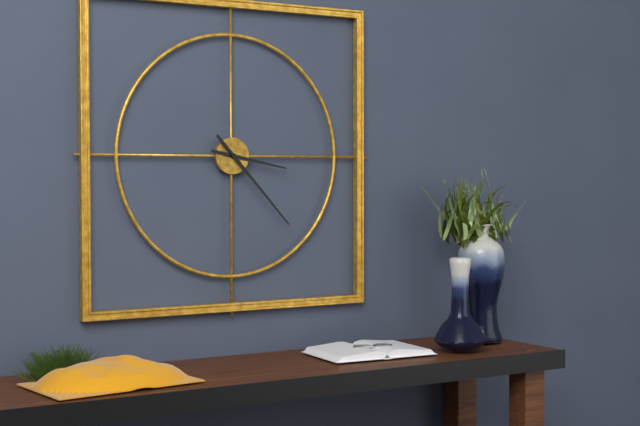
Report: 3 h 23 min
